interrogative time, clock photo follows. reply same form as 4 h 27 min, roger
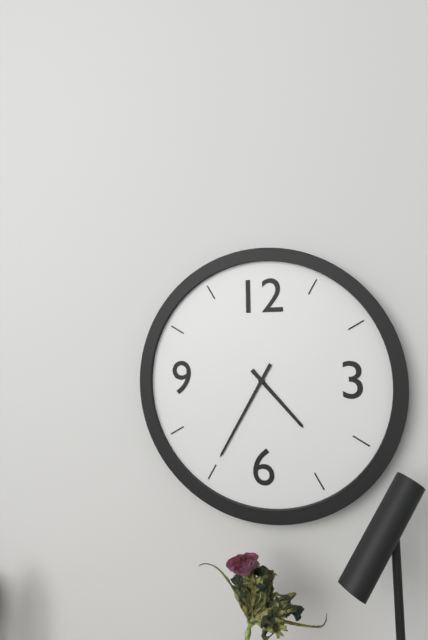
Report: 4 h 35 min
